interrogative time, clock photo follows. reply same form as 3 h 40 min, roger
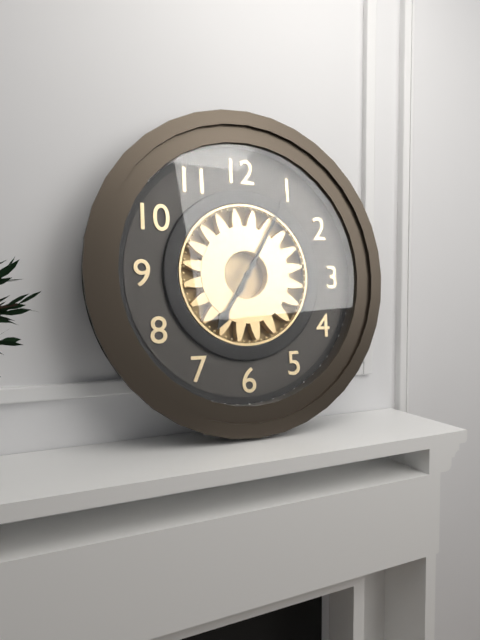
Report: 7 h 05 min
